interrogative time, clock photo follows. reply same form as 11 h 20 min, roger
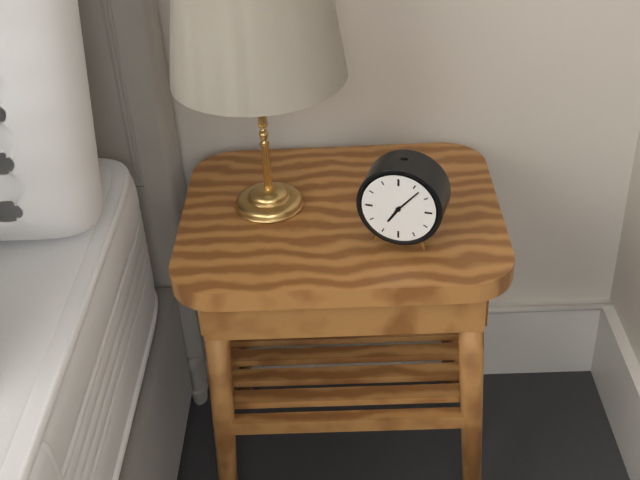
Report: 7 h 07 min
